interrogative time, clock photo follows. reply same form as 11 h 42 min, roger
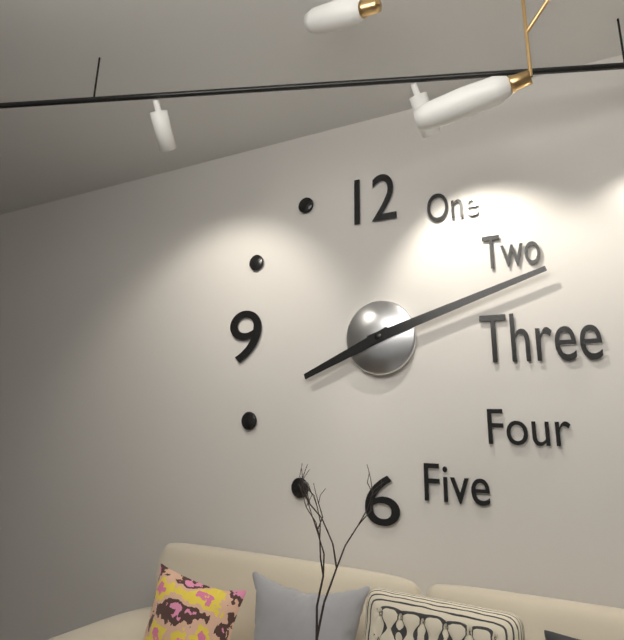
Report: 8 h 12 min
